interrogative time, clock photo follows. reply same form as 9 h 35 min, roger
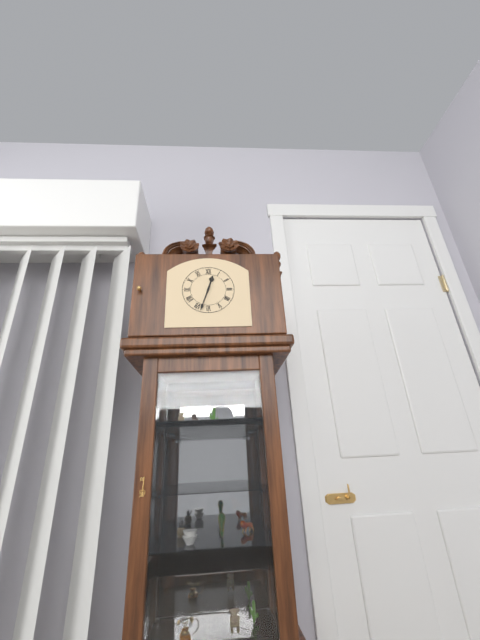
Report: 12 h 33 min
